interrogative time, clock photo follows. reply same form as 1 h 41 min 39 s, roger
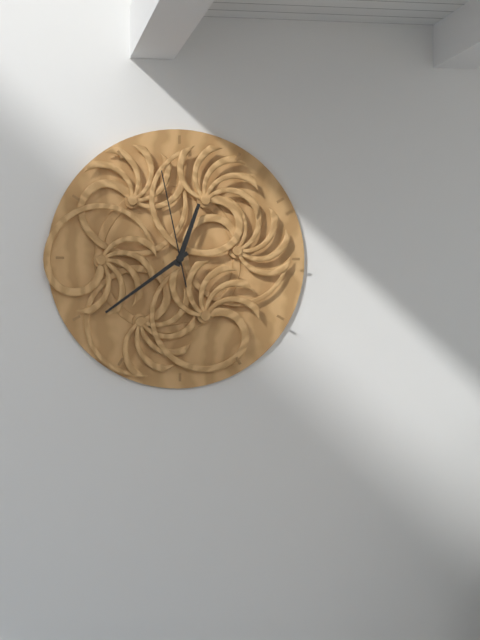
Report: 12 h 39 min 58 s
